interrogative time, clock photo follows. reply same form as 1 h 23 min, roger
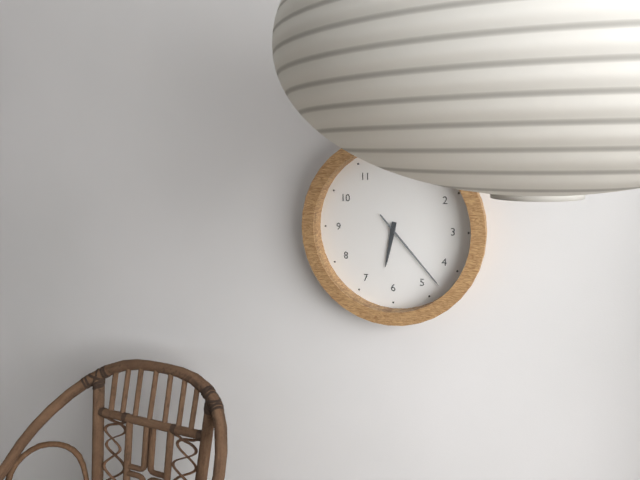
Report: 6 h 23 min
